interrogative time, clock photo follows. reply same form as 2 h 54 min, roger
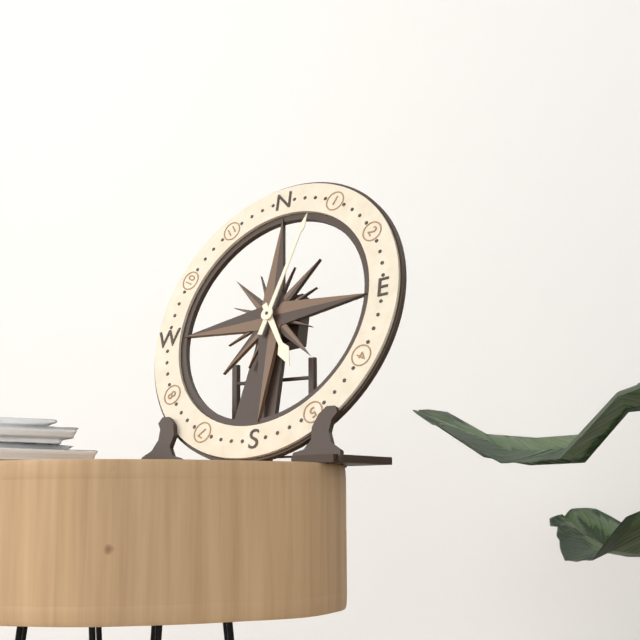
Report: 5 h 03 min
